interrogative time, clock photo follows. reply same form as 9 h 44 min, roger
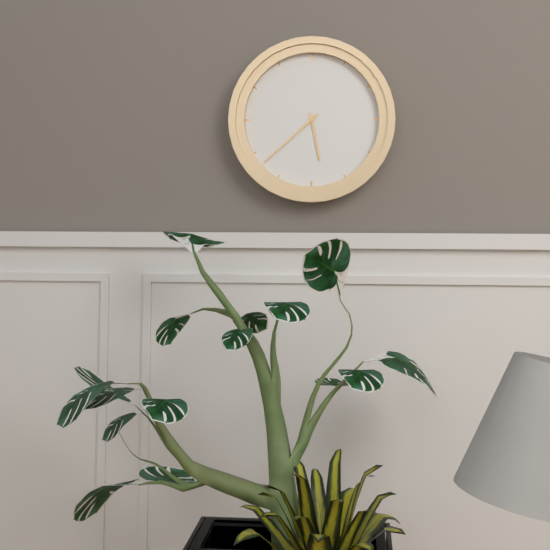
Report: 5 h 38 min
